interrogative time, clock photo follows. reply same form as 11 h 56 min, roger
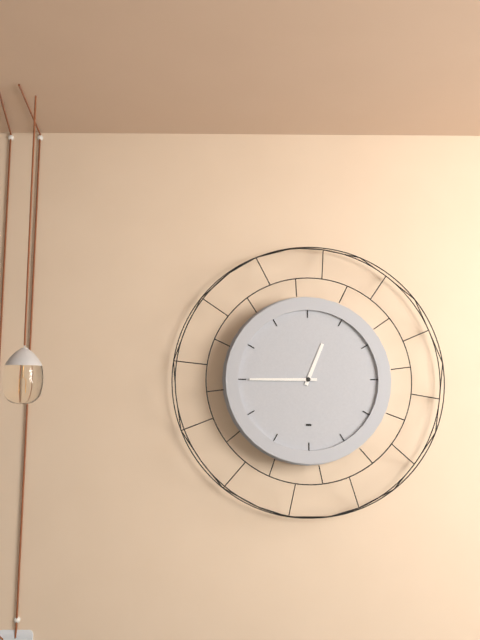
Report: 12 h 45 min
